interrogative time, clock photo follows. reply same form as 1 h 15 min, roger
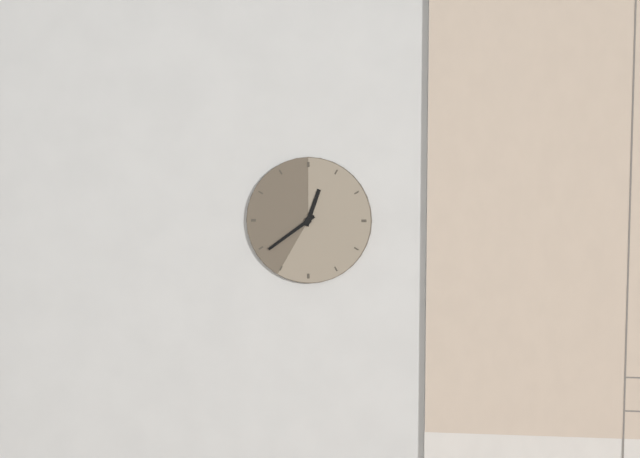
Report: 12 h 39 min
